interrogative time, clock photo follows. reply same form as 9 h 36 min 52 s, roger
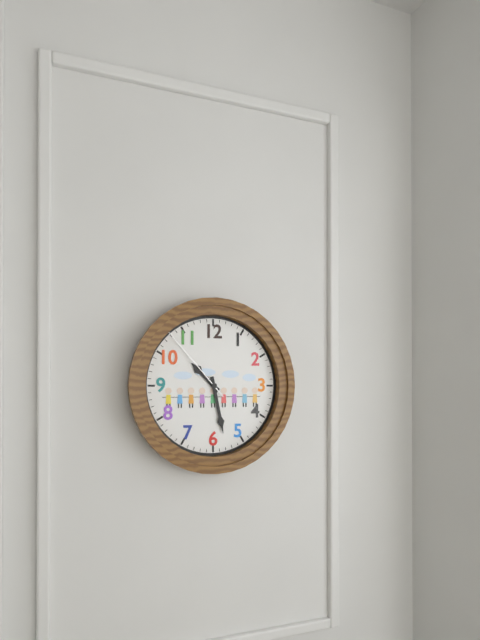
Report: 10 h 28 min 53 s
